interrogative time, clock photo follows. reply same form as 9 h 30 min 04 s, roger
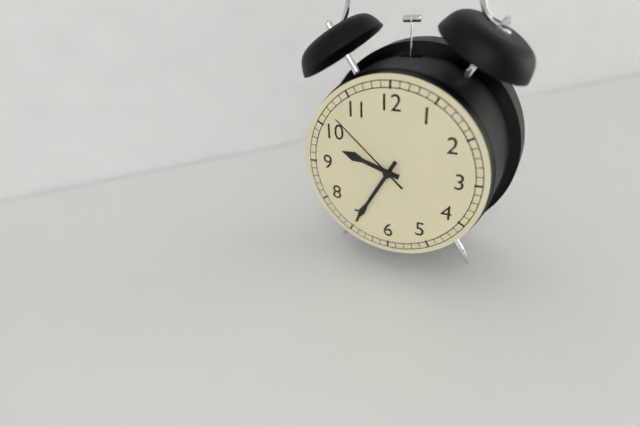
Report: 9 h 35 min 52 s
